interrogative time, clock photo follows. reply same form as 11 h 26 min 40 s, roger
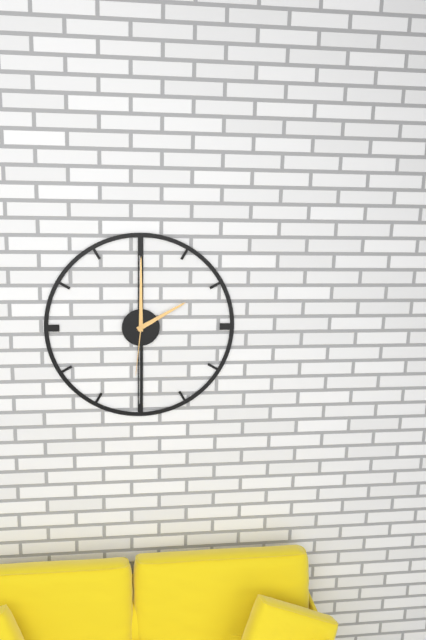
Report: 2 h 00 min 31 s
